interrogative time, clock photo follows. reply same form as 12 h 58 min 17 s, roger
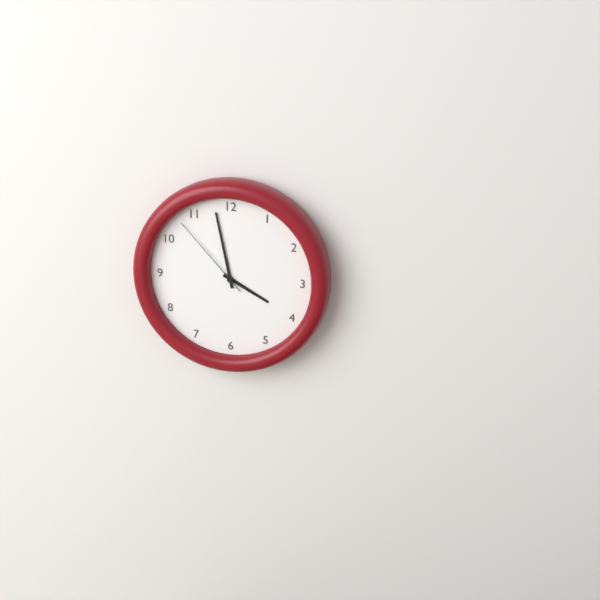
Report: 3 h 58 min 53 s
